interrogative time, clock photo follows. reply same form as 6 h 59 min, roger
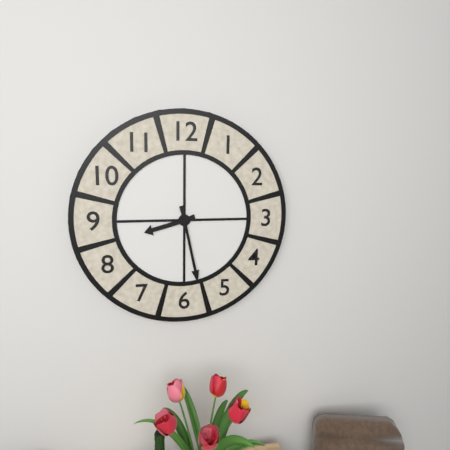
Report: 8 h 28 min
